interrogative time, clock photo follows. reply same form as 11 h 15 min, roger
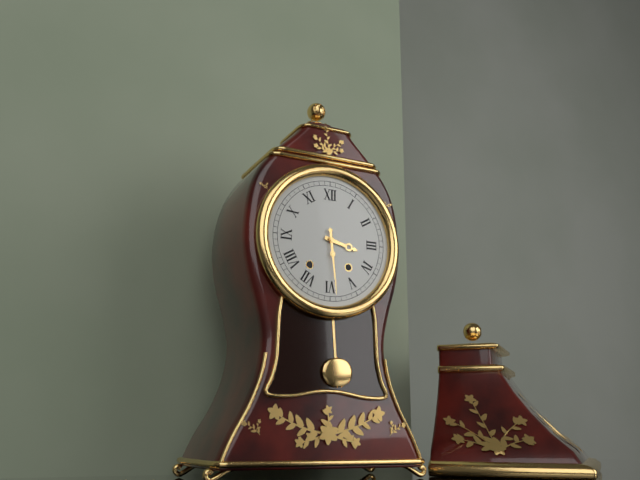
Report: 3 h 29 min
